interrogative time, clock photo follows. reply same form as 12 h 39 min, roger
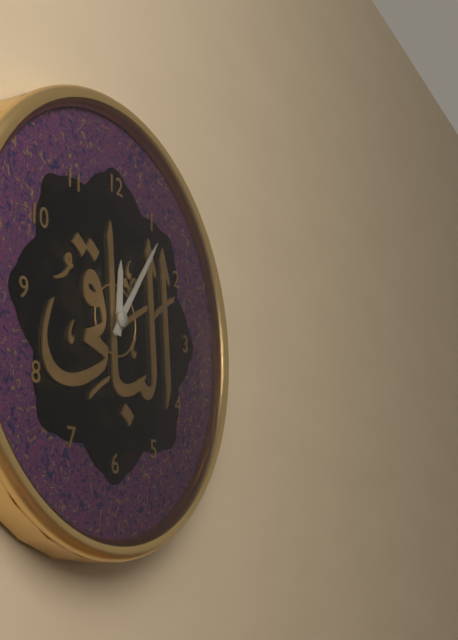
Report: 12 h 06 min
